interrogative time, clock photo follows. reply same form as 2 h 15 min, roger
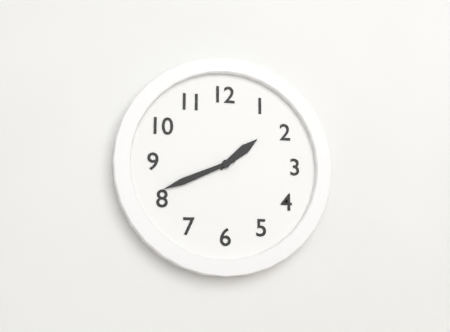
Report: 1 h 41 min
